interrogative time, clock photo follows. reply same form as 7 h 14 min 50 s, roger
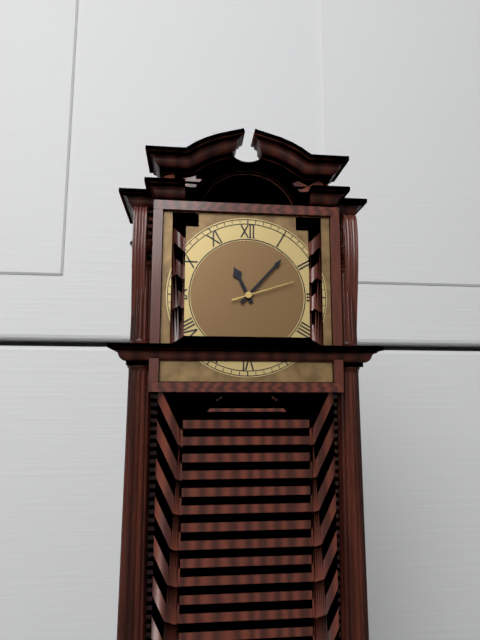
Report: 11 h 07 min 12 s
